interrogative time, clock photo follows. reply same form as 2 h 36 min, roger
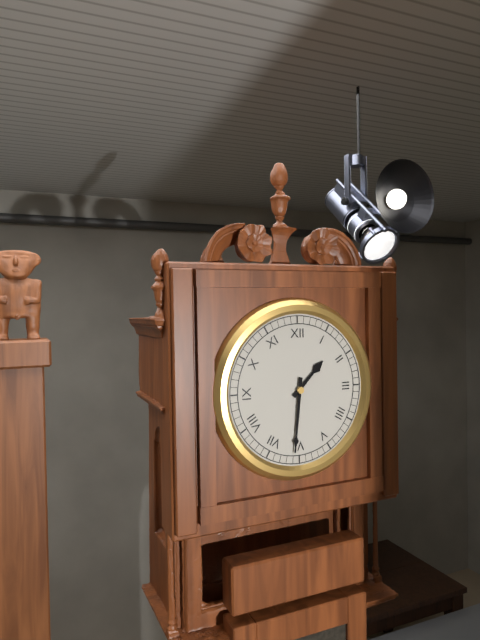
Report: 1 h 31 min
